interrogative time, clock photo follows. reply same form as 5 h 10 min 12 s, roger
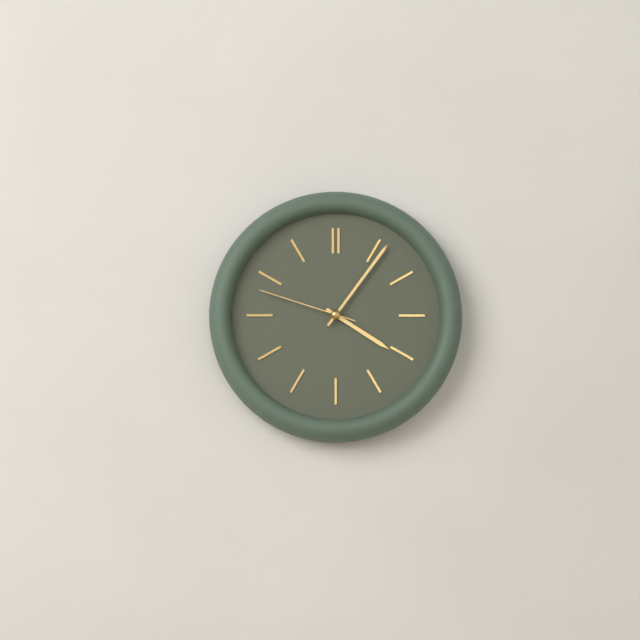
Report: 4 h 06 min 48 s
